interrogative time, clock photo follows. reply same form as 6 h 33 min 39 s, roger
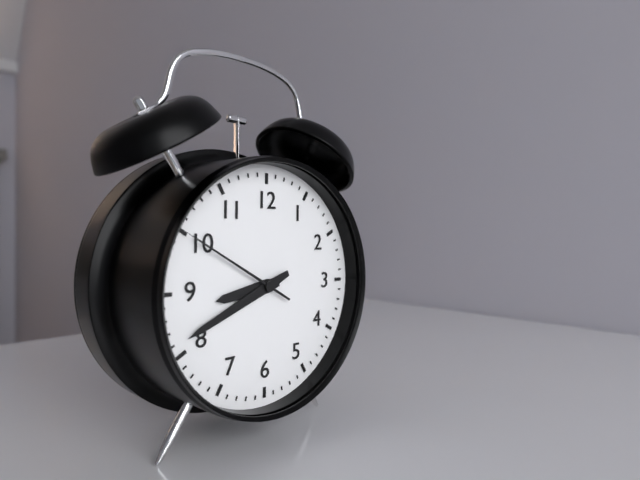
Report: 8 h 41 min 50 s
